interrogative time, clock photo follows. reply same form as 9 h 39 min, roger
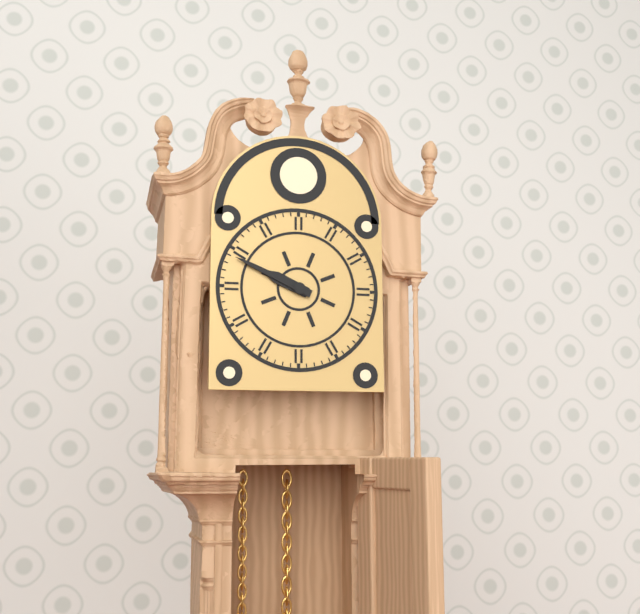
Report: 9 h 49 min
